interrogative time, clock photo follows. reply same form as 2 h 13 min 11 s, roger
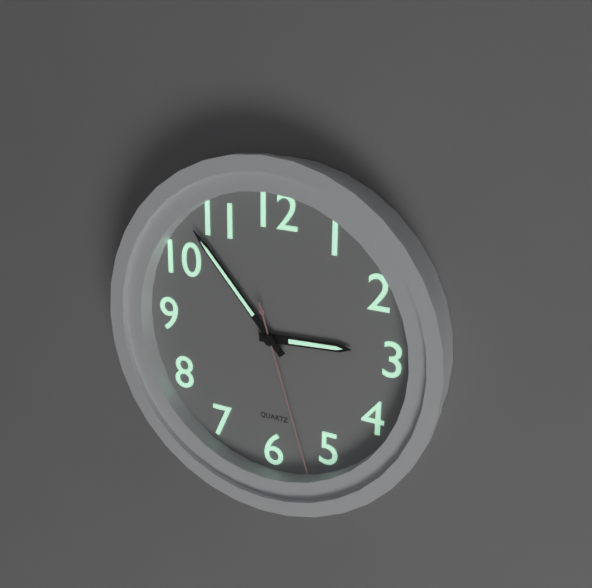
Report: 2 h 53 min 27 s
